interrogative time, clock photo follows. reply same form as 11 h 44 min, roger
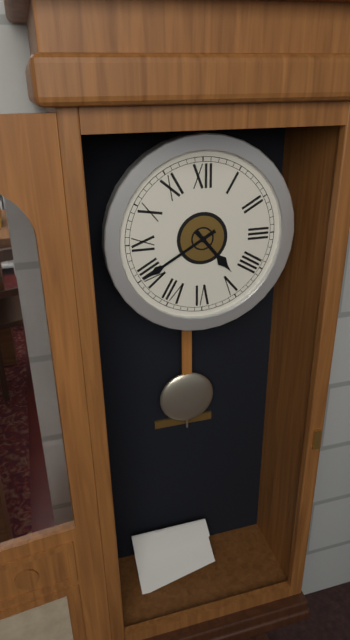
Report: 4 h 40 min
